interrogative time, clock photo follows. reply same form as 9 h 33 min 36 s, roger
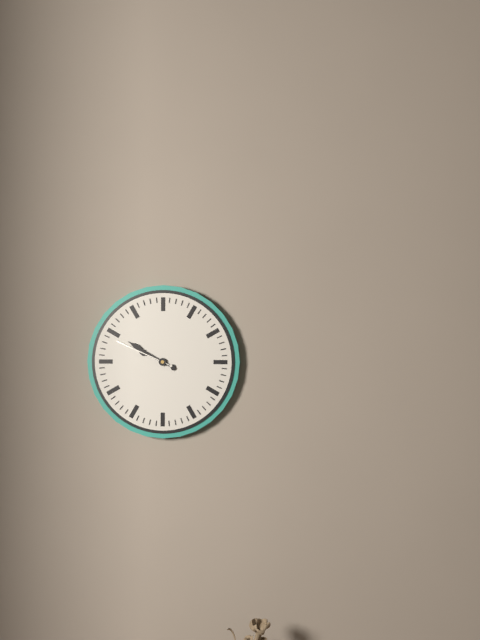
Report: 9 h 50 min 49 s
